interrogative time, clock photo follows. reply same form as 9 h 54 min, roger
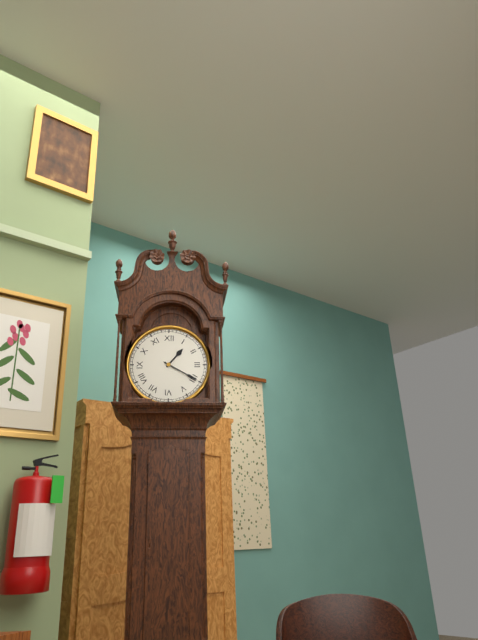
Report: 1 h 20 min
